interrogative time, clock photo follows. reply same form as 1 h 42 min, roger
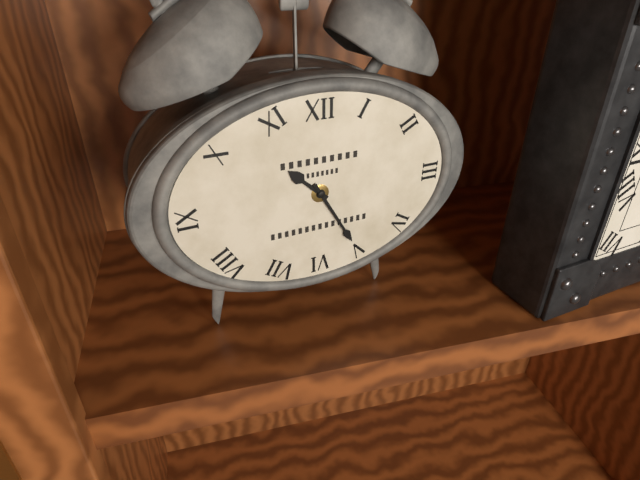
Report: 10 h 25 min
